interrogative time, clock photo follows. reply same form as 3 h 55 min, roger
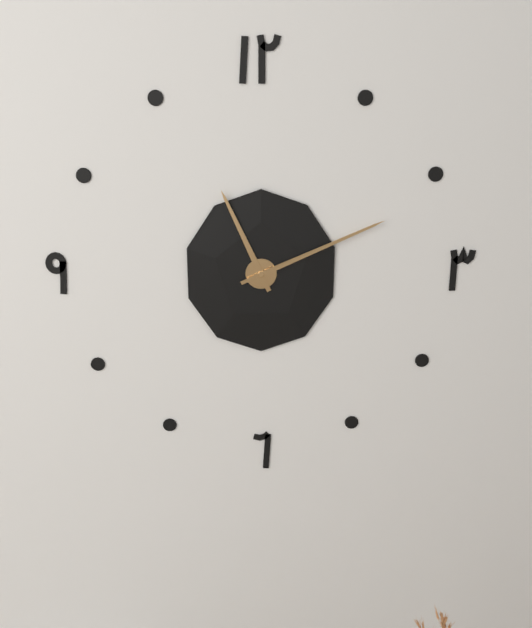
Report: 11 h 11 min
